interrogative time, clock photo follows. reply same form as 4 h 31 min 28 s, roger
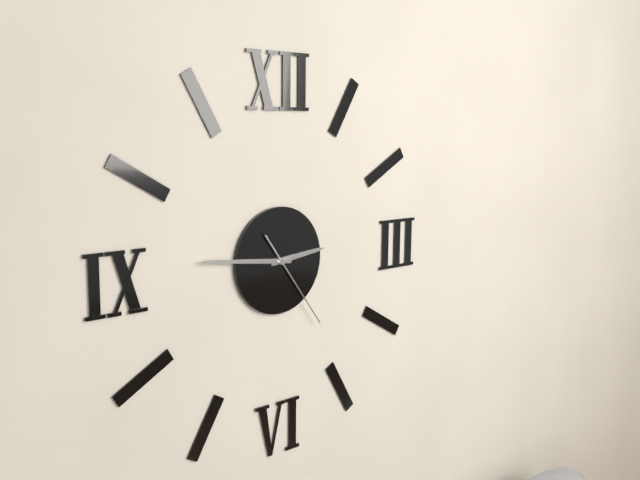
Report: 2 h 46 min 24 s
